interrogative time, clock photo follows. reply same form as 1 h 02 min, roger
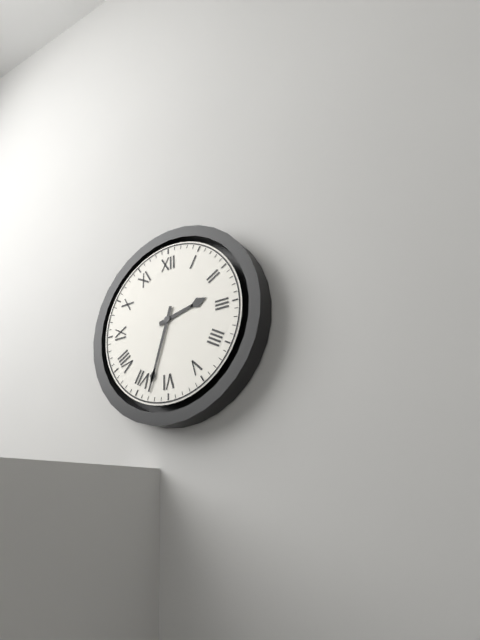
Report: 2 h 33 min
